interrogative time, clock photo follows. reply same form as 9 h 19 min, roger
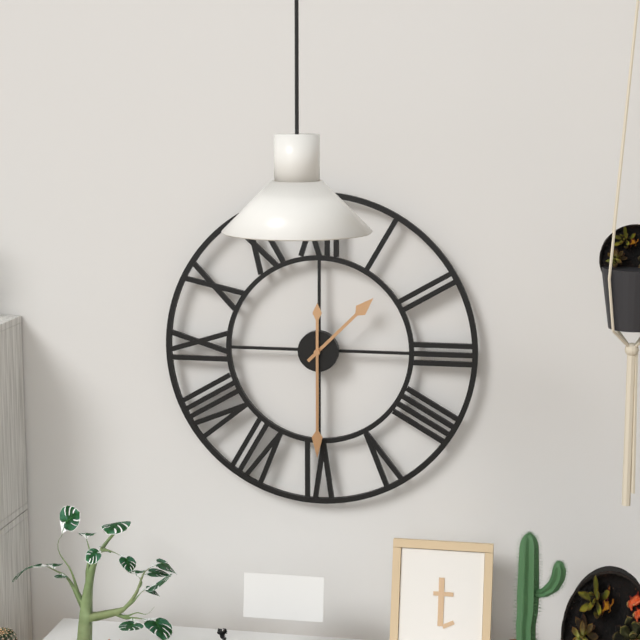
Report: 1 h 30 min
